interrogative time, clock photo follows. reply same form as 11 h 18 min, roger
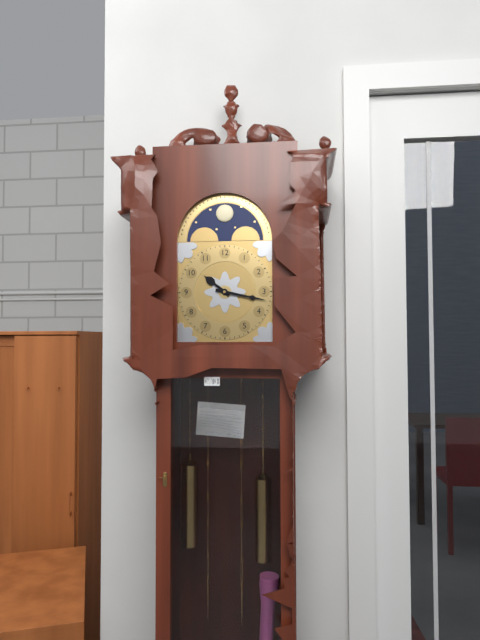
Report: 10 h 17 min
